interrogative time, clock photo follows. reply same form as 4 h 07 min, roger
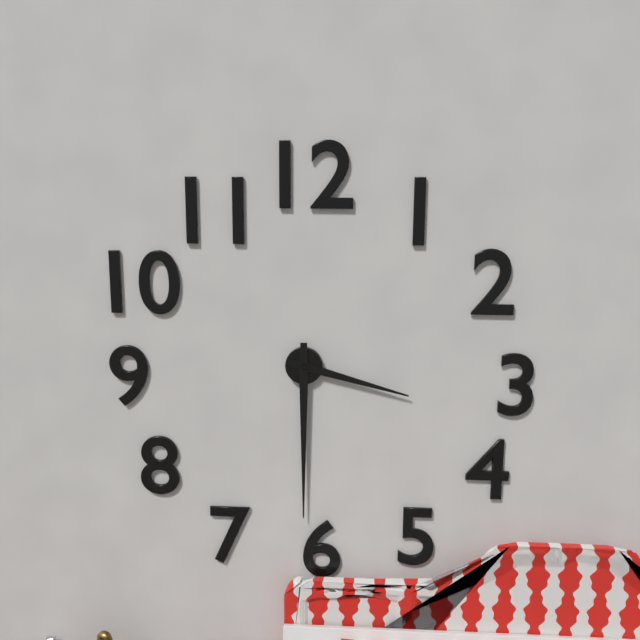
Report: 3 h 30 min
